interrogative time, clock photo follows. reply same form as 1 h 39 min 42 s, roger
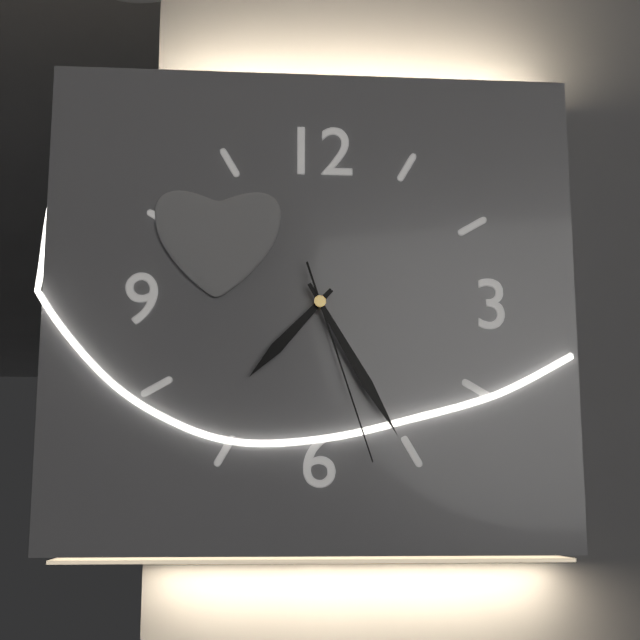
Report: 7 h 25 min 27 s
